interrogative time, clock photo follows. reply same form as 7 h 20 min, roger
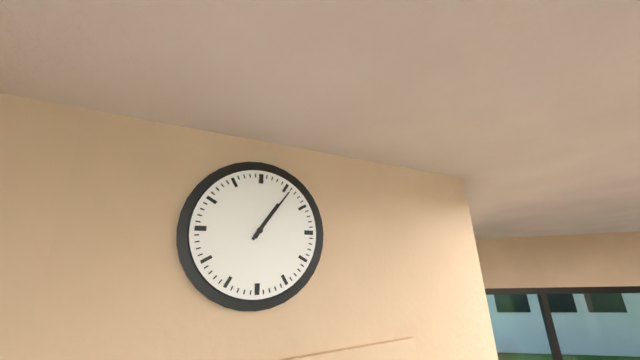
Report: 1 h 06 min
